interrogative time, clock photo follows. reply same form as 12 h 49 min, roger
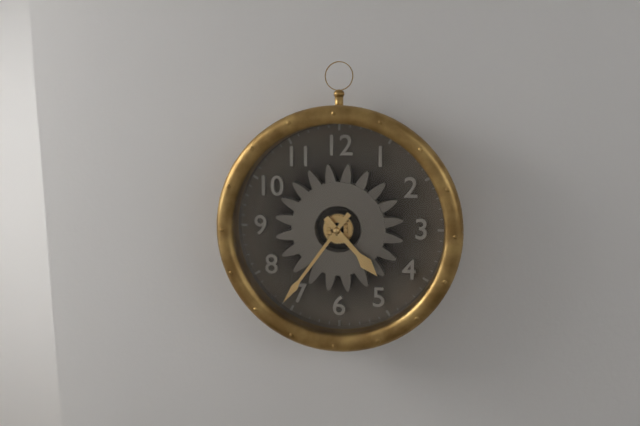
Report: 4 h 36 min
